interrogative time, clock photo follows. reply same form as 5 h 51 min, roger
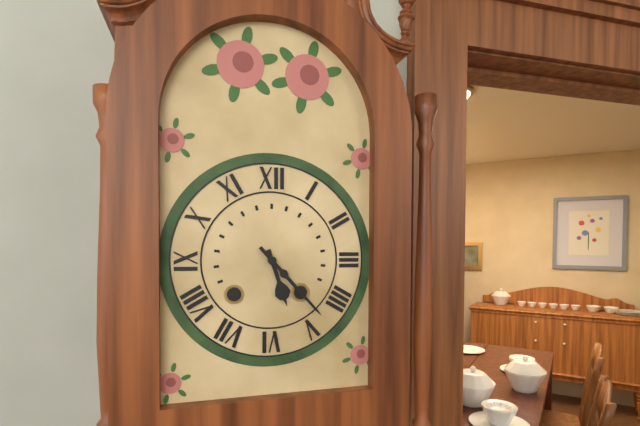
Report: 5 h 23 min
